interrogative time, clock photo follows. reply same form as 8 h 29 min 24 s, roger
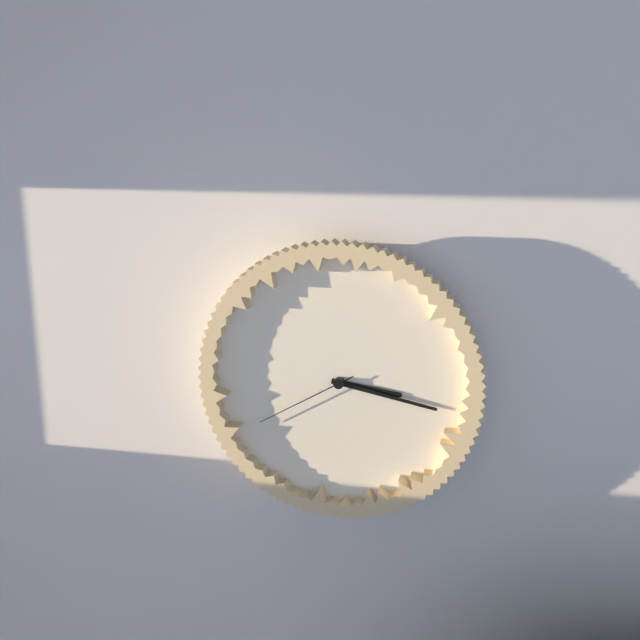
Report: 3 h 17 min 40 s
